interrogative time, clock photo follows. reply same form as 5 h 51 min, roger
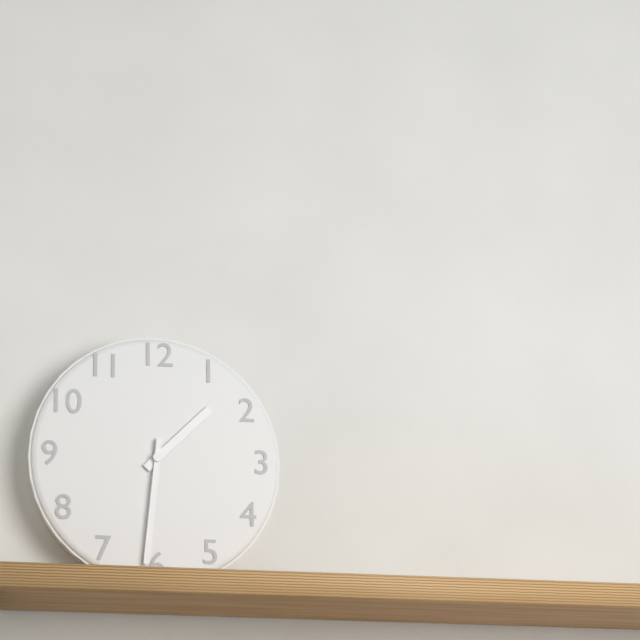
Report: 1 h 31 min
